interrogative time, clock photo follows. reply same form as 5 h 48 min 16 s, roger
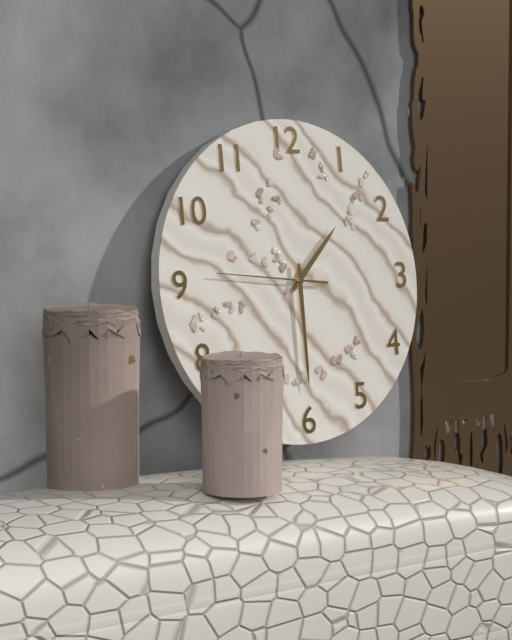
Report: 1 h 30 min 46 s
